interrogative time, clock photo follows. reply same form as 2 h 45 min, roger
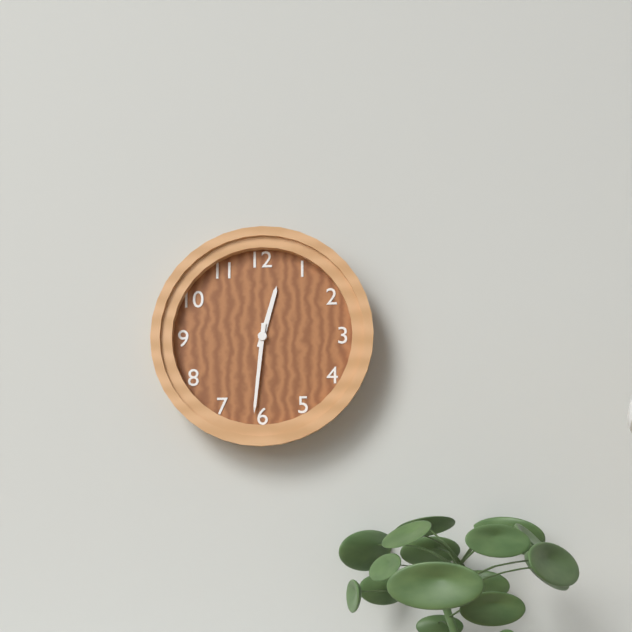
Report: 12 h 31 min
